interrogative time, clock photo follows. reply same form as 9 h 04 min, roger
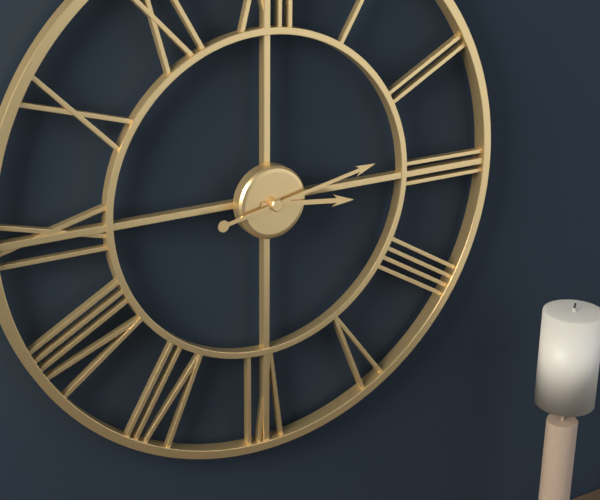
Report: 3 h 13 min
